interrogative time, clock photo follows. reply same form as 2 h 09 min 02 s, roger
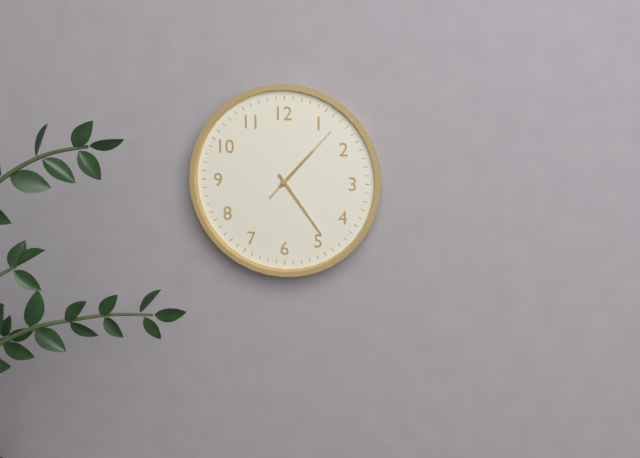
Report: 1 h 24 min 07 s
